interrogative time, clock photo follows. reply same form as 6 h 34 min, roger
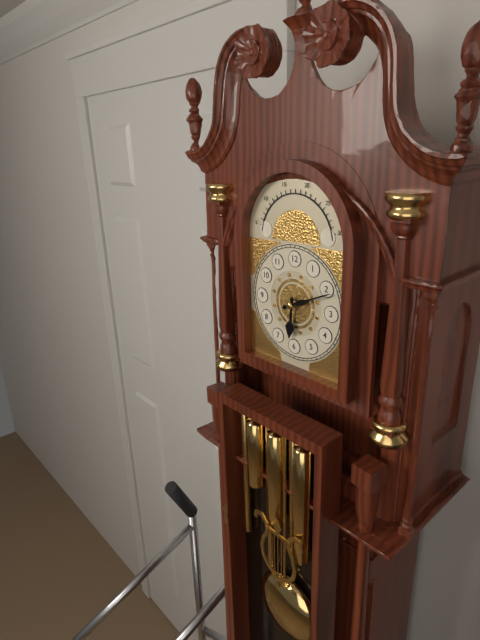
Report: 6 h 11 min
